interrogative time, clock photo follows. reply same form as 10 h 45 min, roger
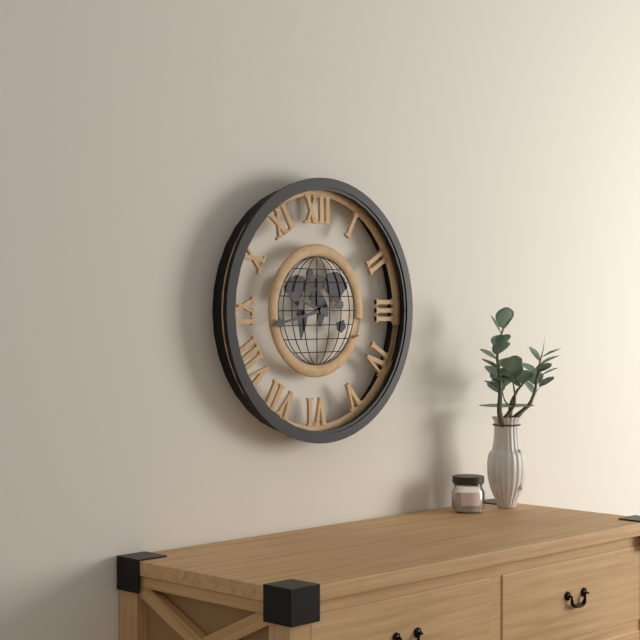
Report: 9 h 43 min
